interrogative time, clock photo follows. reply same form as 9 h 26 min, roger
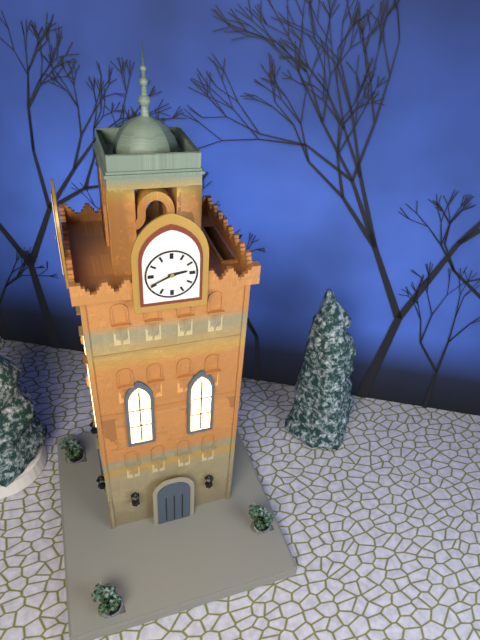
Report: 2 h 41 min
